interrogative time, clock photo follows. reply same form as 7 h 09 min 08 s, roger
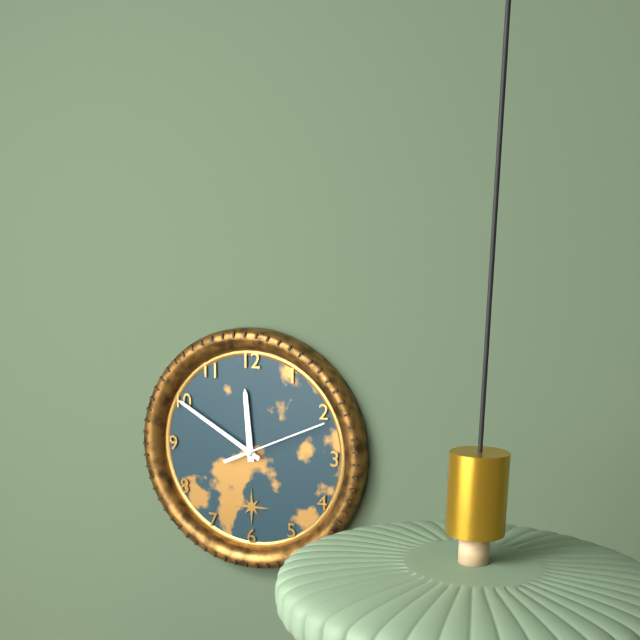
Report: 11 h 50 min 11 s
